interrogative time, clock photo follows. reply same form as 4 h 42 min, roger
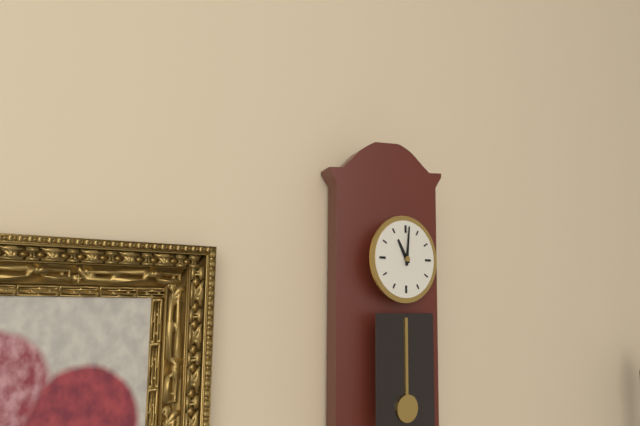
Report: 11 h 01 min
